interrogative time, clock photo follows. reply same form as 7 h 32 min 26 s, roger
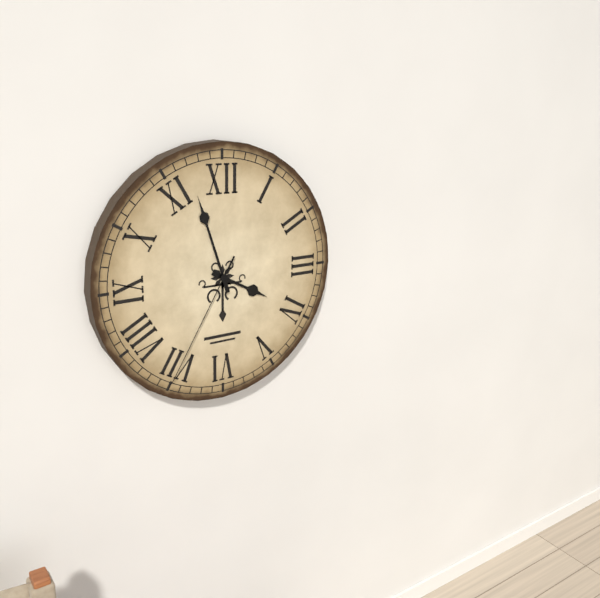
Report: 3 h 57 min 35 s
